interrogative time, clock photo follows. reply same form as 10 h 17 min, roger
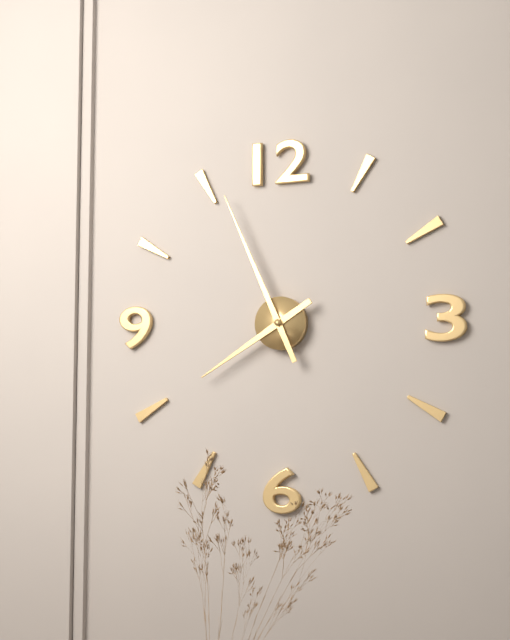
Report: 7 h 56 min
